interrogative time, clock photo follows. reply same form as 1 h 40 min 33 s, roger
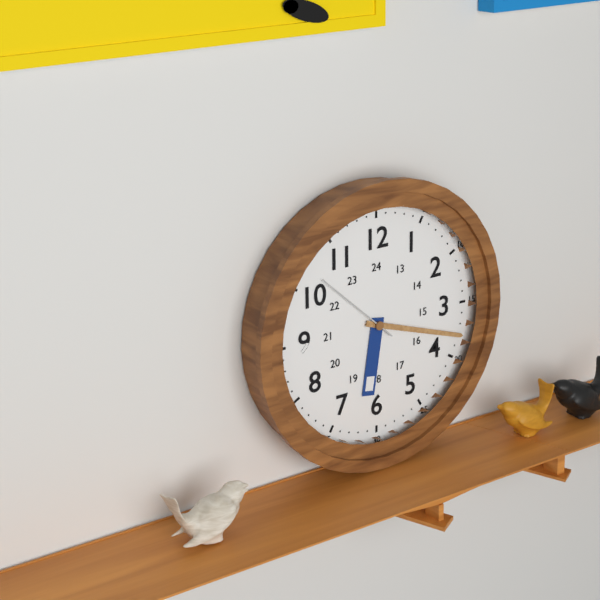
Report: 6 h 18 min 52 s
